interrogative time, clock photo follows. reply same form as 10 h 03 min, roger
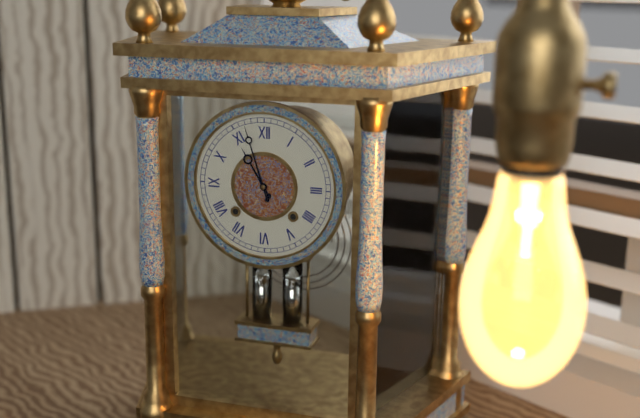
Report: 10 h 57 min
